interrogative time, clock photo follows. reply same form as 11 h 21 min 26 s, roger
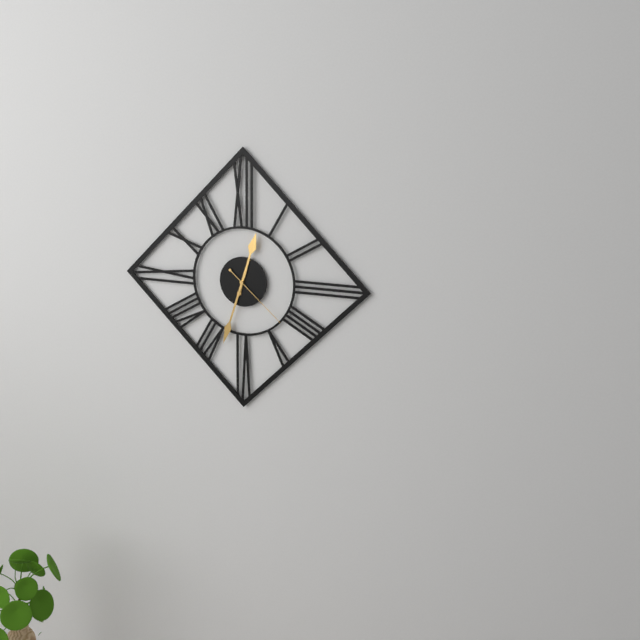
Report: 12 h 33 min 22 s
